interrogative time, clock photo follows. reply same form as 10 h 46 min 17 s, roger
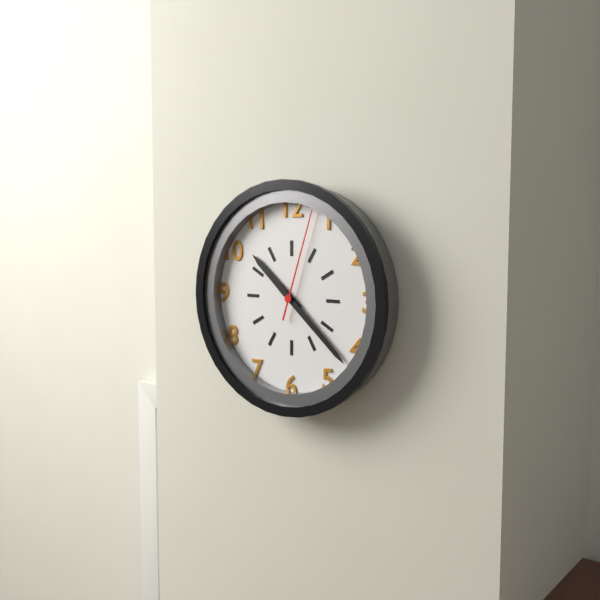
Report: 10 h 22 min 03 s
